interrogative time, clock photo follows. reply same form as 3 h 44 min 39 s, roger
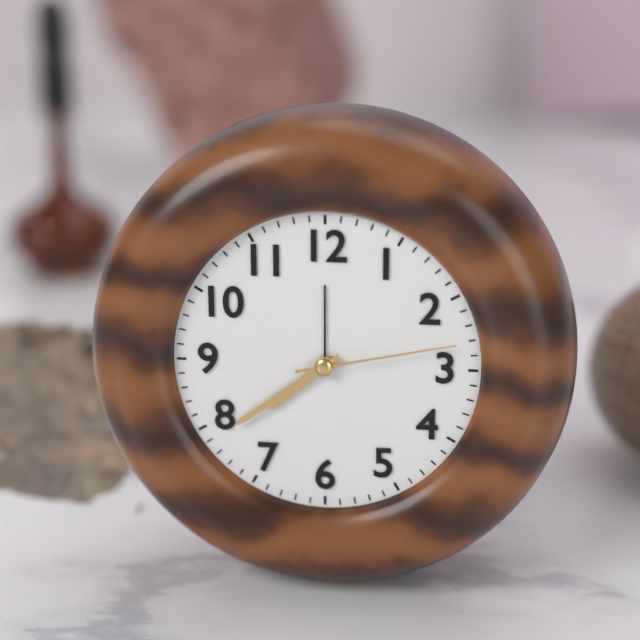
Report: 7 h 39 min 13 s
